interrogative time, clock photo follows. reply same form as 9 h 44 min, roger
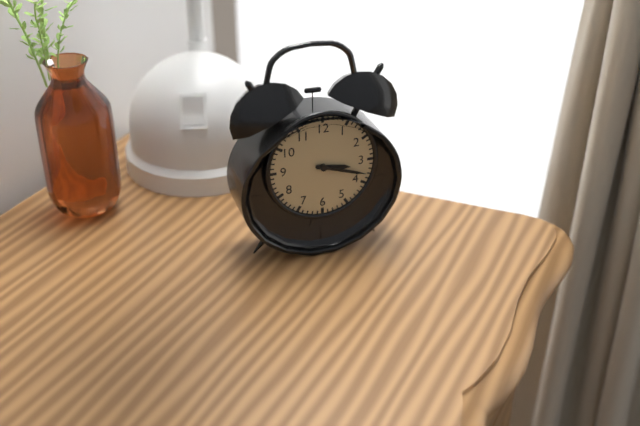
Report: 3 h 18 min
